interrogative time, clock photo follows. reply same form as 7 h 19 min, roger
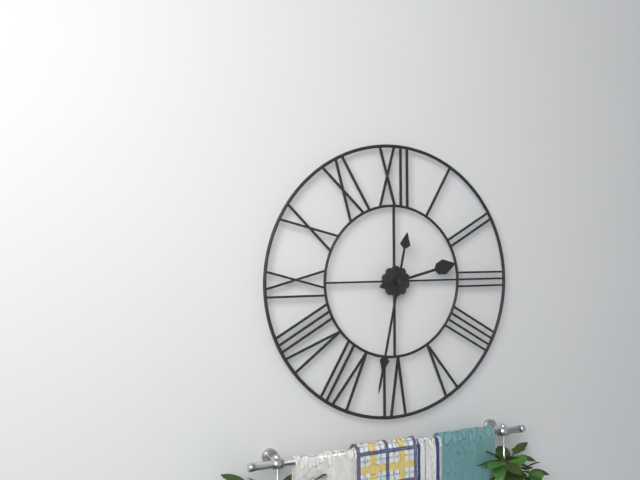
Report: 2 h 32 min
